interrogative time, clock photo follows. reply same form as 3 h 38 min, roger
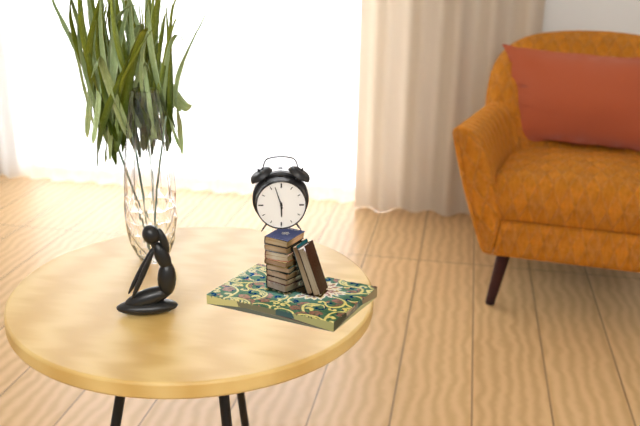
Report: 5 h 57 min
